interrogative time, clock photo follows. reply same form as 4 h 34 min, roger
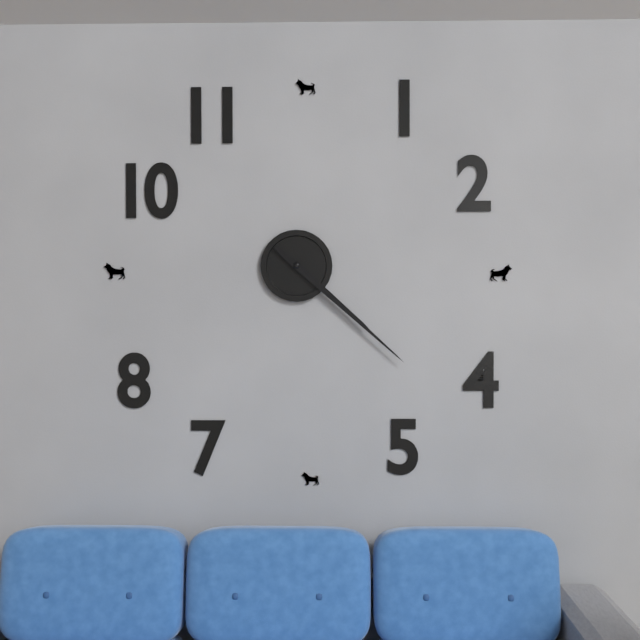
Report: 4 h 22 min
